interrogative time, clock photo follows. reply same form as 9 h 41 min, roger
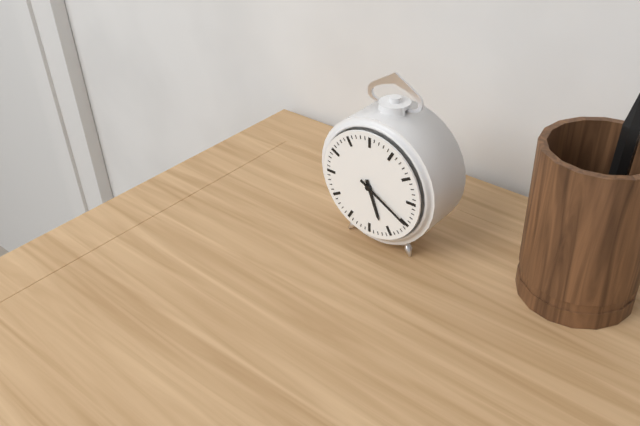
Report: 5 h 20 min
